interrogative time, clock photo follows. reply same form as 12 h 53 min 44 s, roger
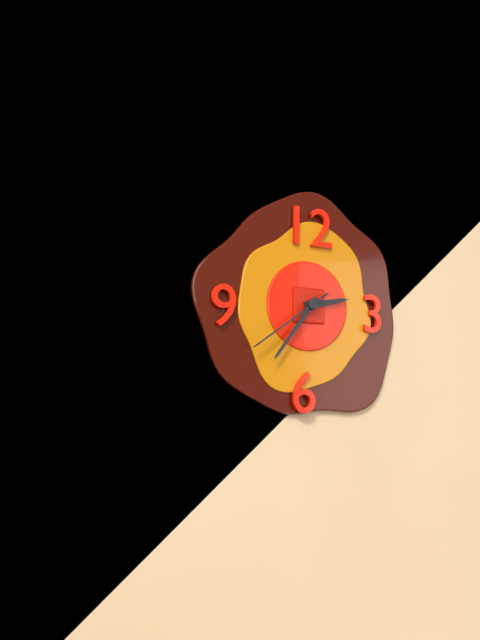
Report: 2 h 36 min 39 s
